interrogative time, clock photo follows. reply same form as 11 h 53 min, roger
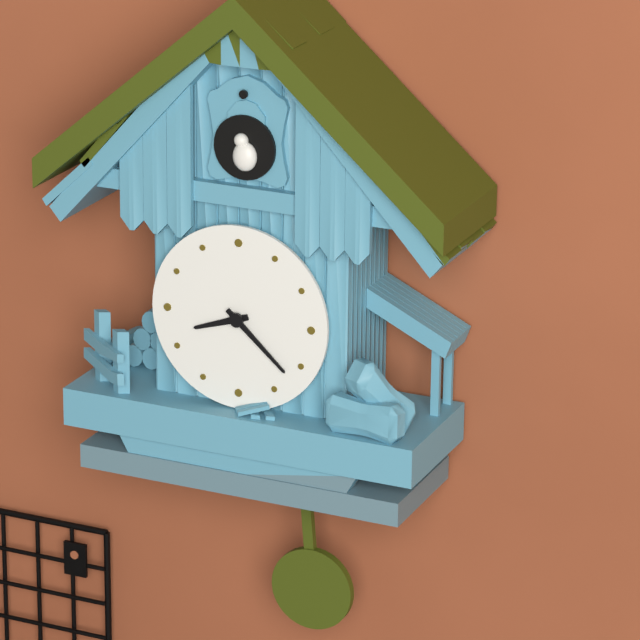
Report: 8 h 22 min
